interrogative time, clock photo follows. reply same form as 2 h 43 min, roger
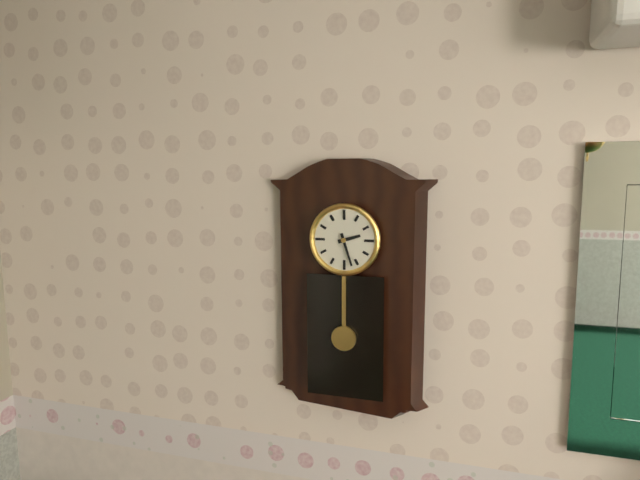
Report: 2 h 27 min
